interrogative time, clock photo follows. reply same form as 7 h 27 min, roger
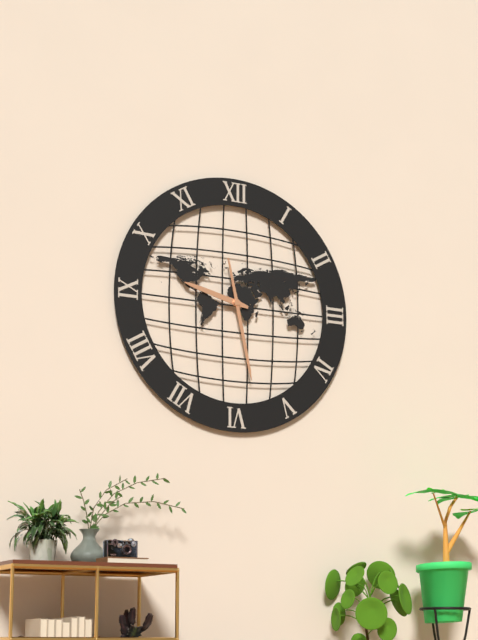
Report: 9 h 28 min
